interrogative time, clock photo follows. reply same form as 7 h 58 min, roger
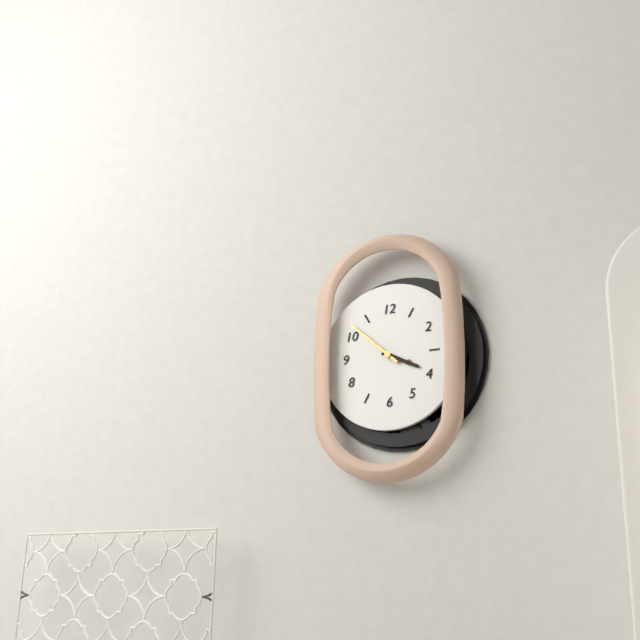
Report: 3 h 52 min
